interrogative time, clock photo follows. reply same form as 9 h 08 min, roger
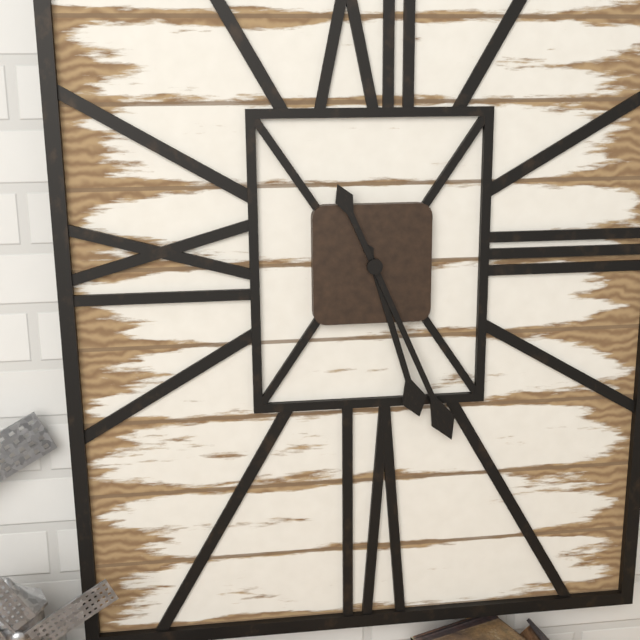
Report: 5 h 26 min
